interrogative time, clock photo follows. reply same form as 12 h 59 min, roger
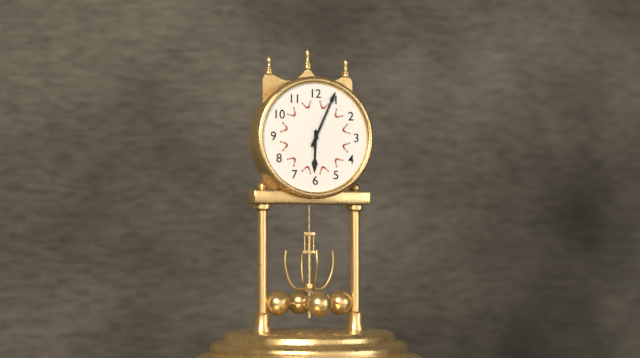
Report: 6 h 04 min
